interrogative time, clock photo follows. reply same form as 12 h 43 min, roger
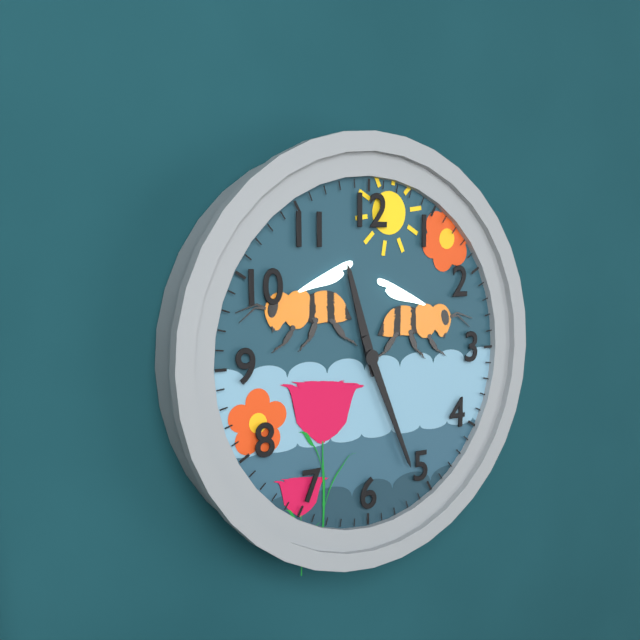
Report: 11 h 26 min
